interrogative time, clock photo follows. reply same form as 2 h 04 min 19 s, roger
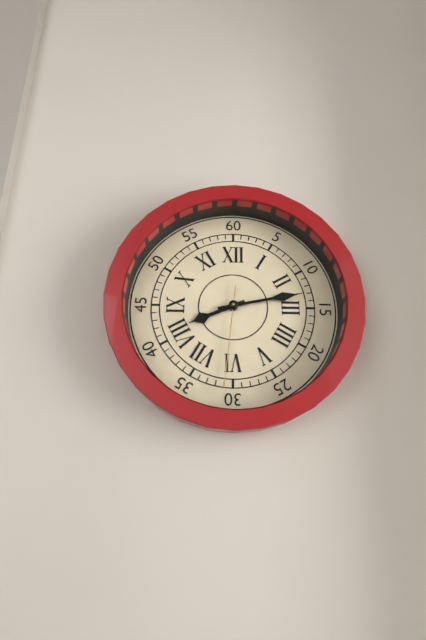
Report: 8 h 13 min 31 s
